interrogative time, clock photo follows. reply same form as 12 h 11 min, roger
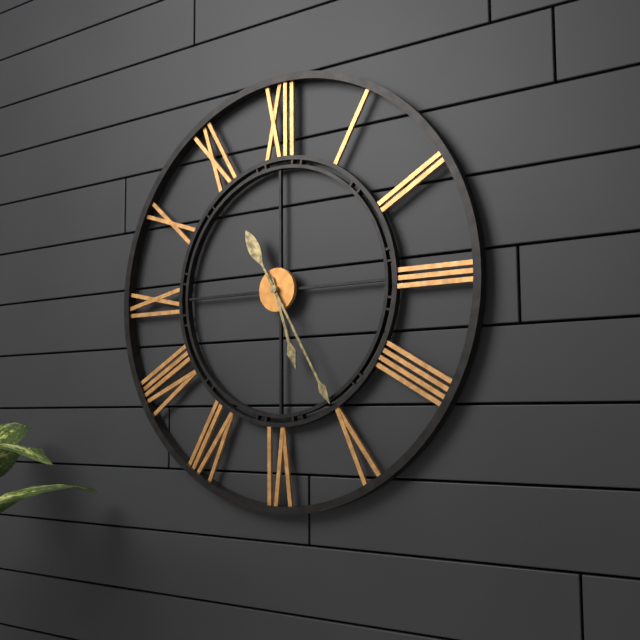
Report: 5 h 25 min
